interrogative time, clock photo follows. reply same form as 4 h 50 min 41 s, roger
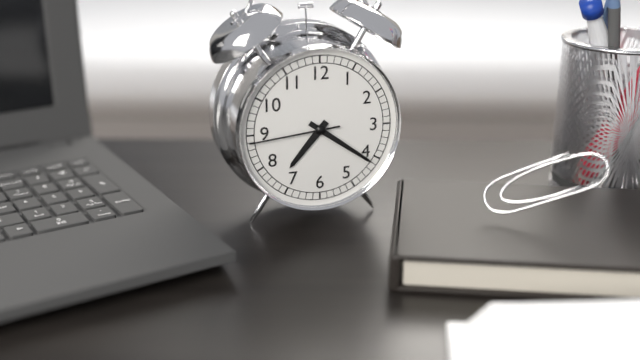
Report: 7 h 21 min 44 s
